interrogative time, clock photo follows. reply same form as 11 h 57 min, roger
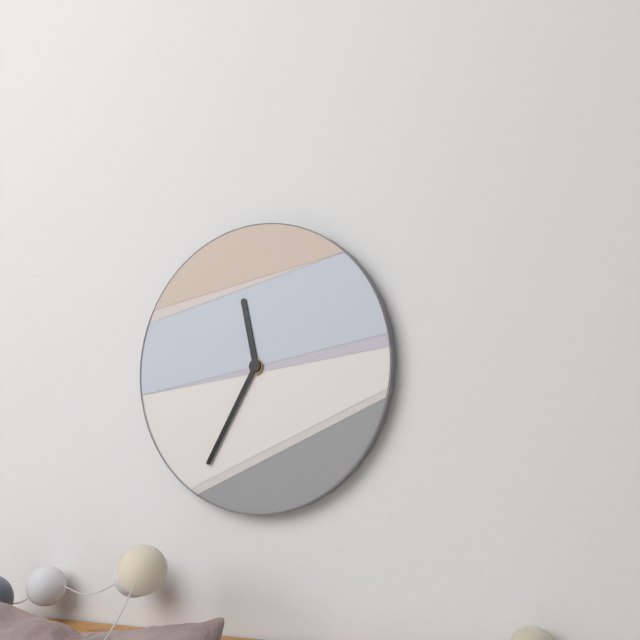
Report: 11 h 35 min
